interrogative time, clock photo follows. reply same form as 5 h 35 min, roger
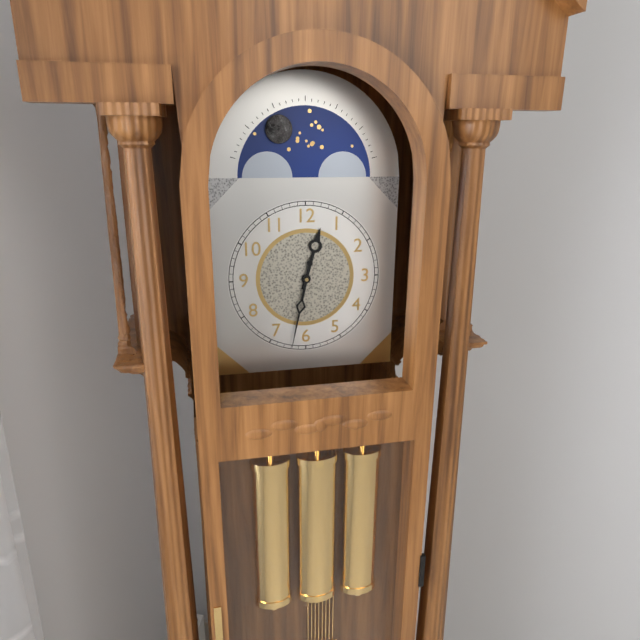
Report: 12 h 32 min
